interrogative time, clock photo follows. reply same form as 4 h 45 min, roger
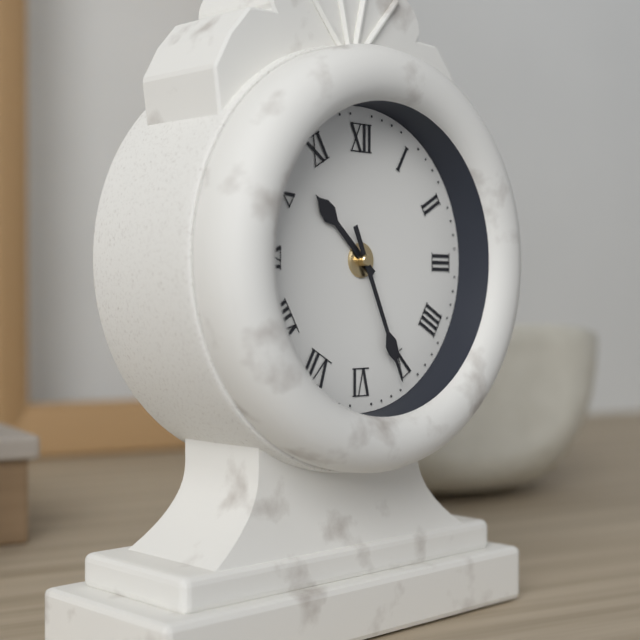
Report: 10 h 26 min
